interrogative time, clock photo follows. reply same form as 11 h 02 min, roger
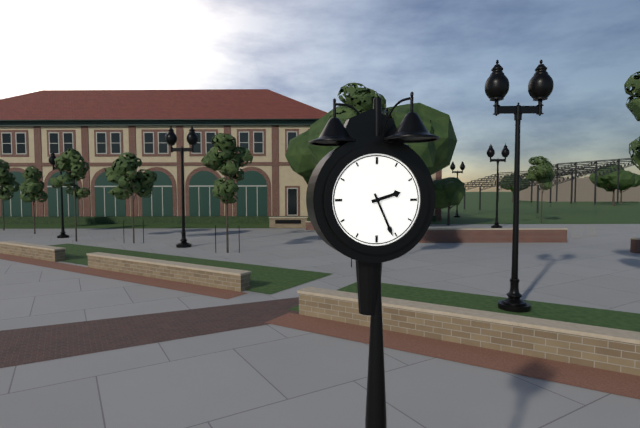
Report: 2 h 26 min
